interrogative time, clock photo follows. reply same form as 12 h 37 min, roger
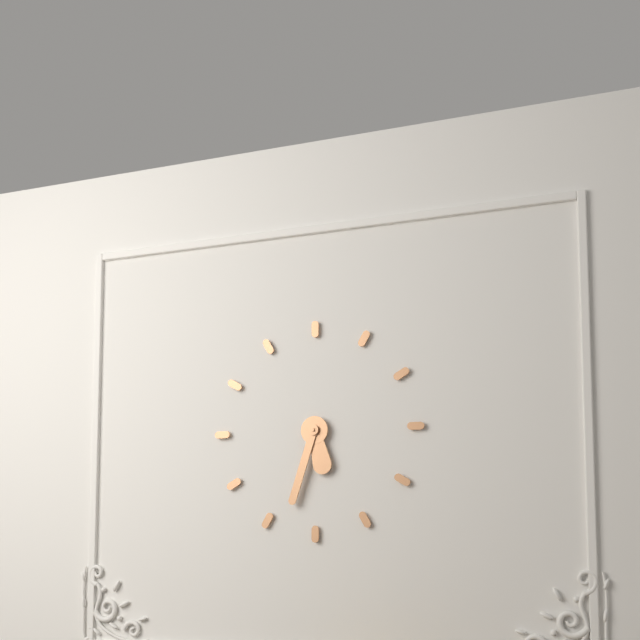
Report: 5 h 33 min
